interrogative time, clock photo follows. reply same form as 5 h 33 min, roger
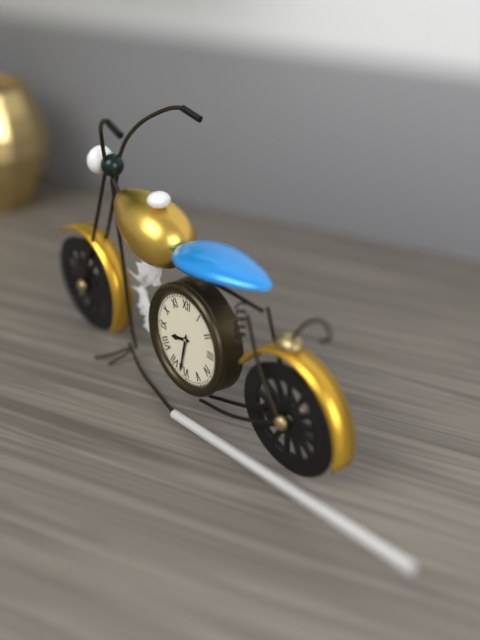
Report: 8 h 32 min
